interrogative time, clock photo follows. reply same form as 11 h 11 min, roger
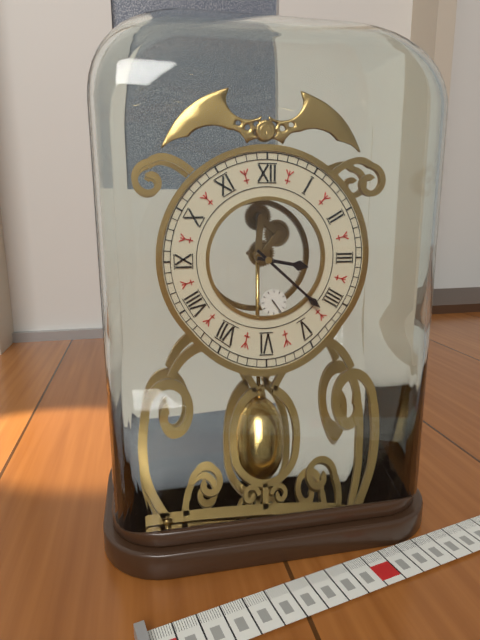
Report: 3 h 22 min
